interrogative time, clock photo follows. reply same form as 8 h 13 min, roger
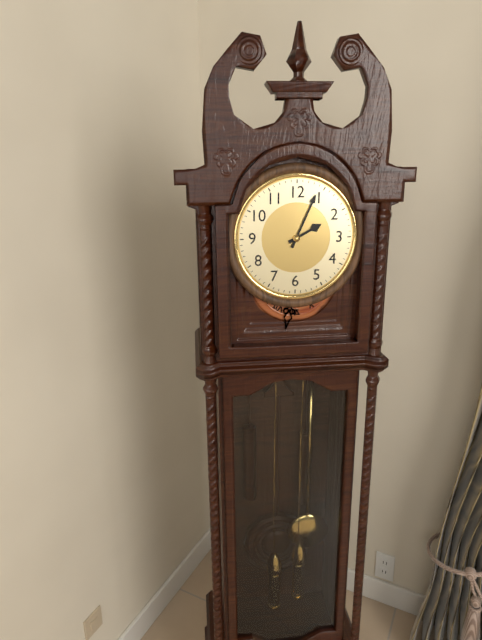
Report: 2 h 04 min
